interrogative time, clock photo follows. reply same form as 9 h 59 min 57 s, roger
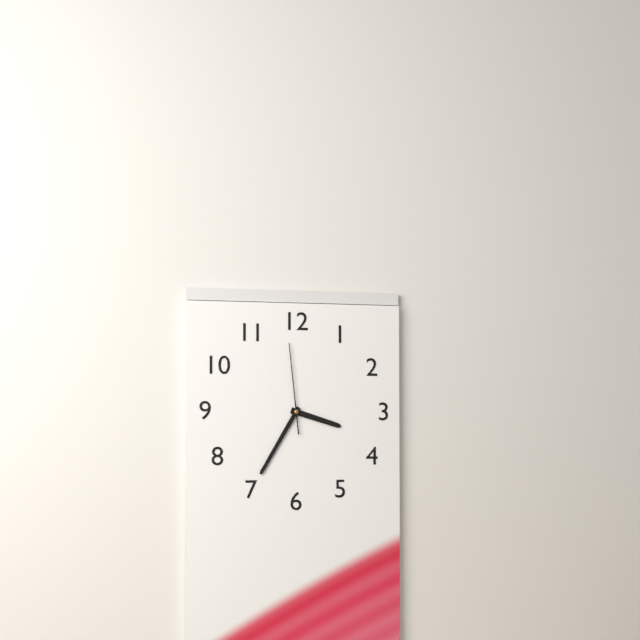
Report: 3 h 35 min 59 s
